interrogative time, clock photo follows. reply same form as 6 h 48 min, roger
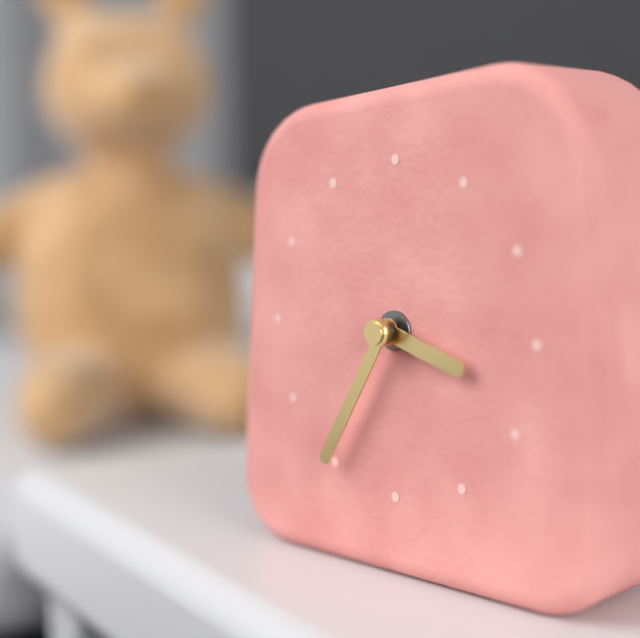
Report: 3 h 35 min
